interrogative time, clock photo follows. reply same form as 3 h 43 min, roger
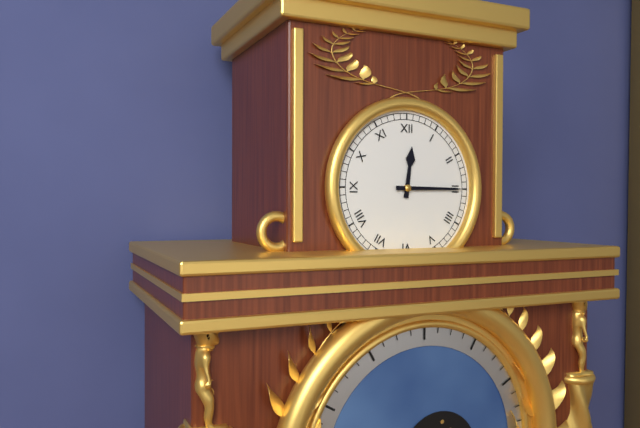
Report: 12 h 15 min
